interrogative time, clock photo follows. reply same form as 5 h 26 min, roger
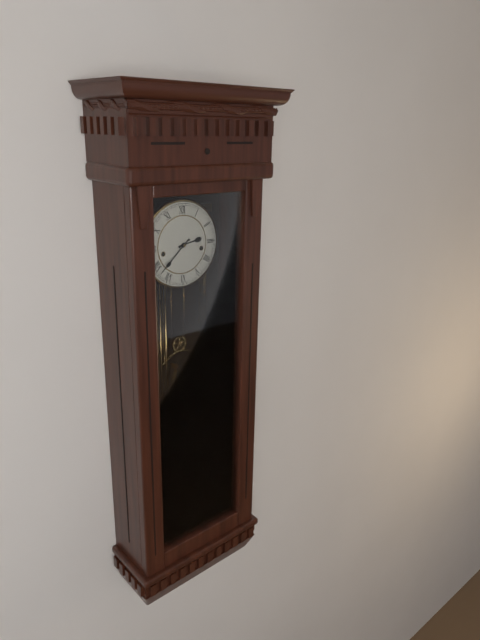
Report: 2 h 38 min
